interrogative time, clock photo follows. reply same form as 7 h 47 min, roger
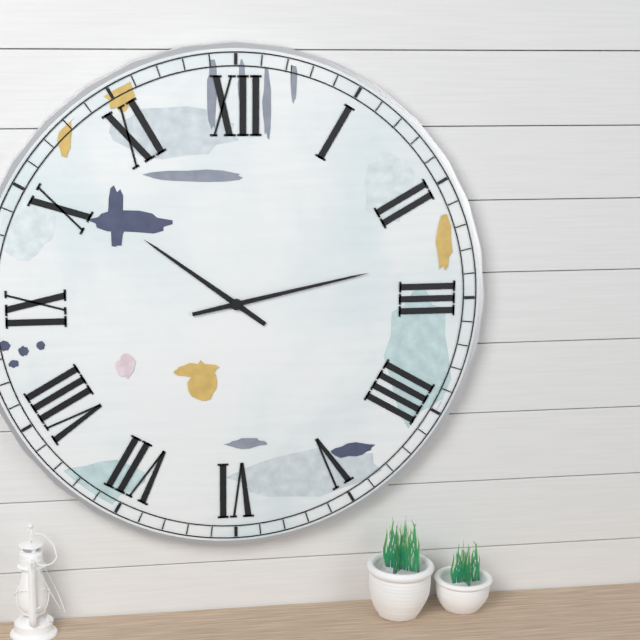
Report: 10 h 13 min
